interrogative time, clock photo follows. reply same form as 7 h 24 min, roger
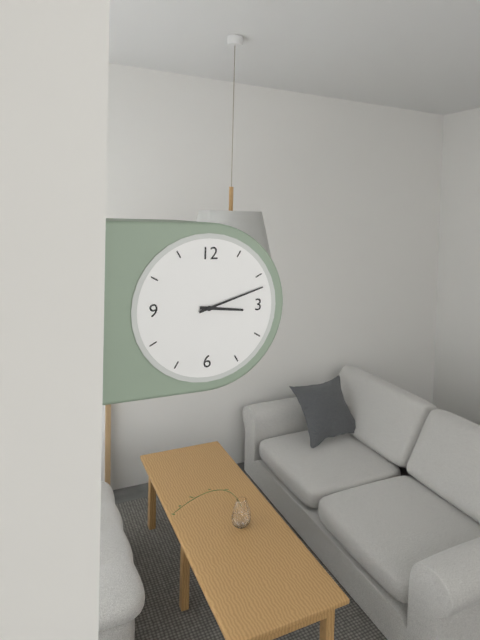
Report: 3 h 12 min
